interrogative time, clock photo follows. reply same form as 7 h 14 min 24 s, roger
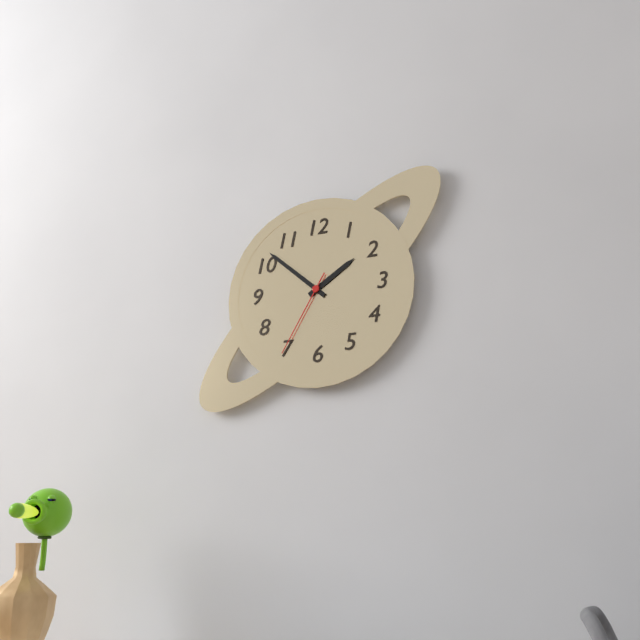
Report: 1 h 52 min 35 s
